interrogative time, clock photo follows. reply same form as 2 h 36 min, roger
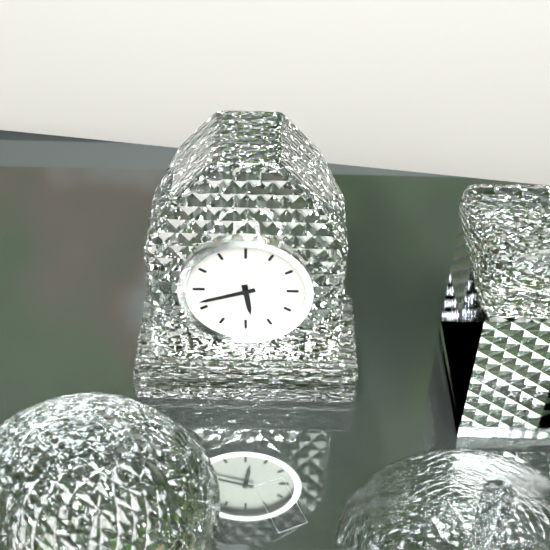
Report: 5 h 42 min
